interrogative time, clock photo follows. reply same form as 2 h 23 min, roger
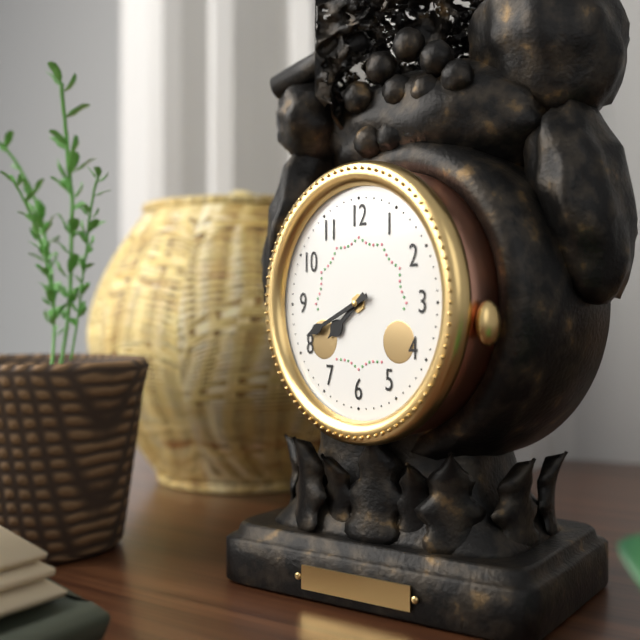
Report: 7 h 41 min
